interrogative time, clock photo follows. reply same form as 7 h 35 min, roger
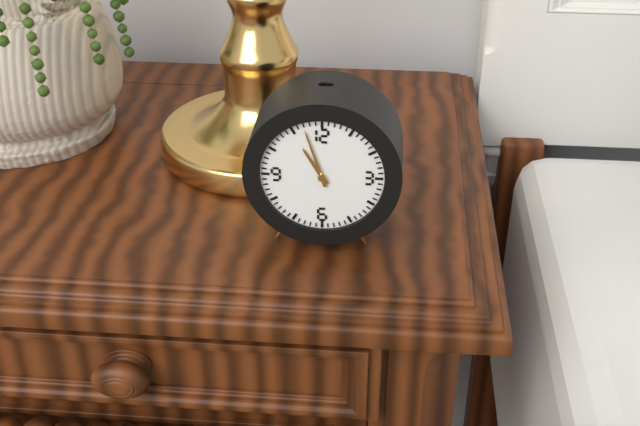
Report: 10 h 57 min
